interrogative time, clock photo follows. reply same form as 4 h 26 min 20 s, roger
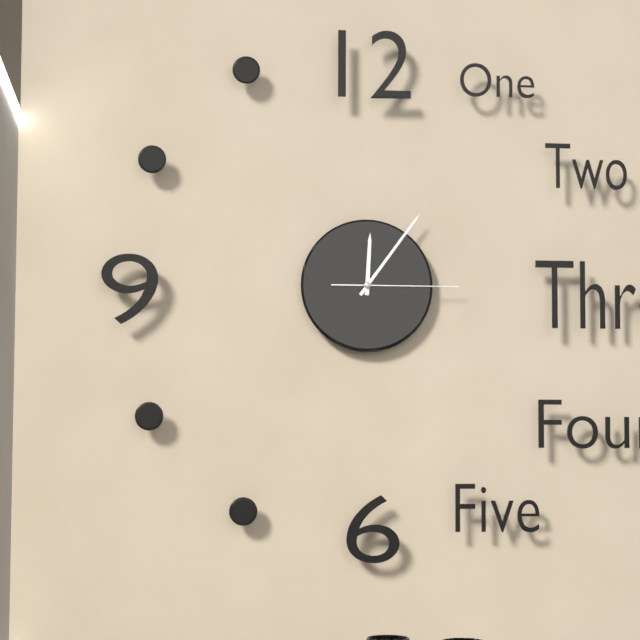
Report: 12 h 06 min 15 s
